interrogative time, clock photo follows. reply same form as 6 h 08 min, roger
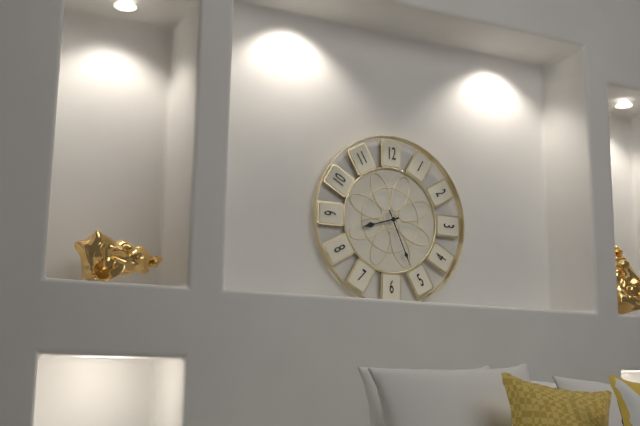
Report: 8 h 26 min
